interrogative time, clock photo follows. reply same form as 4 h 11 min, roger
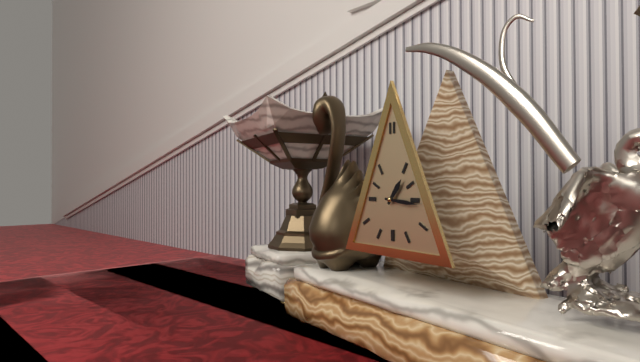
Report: 1 h 16 min
